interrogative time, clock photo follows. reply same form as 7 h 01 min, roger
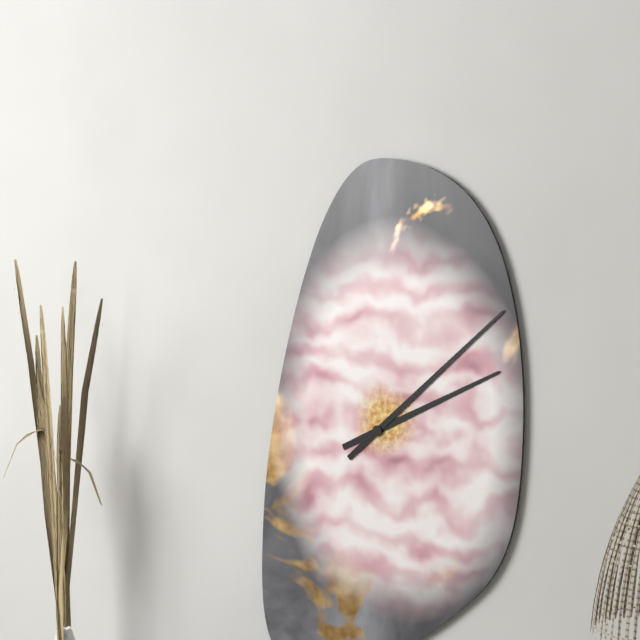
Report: 2 h 08 min
